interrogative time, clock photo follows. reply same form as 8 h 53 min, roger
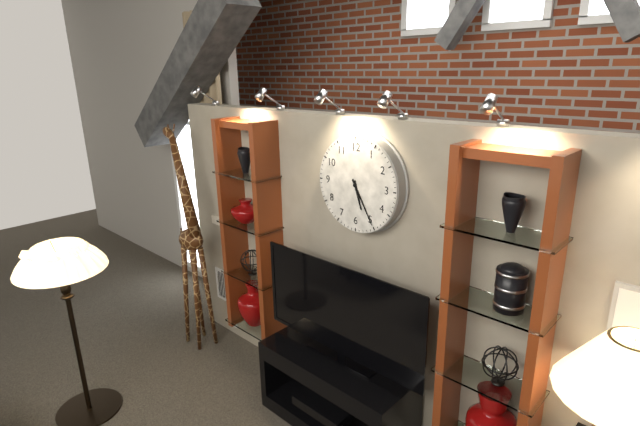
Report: 5 h 25 min
